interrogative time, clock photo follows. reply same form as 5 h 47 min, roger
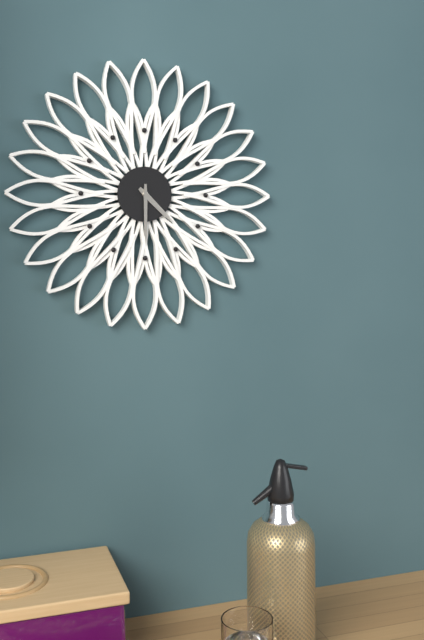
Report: 4 h 30 min
